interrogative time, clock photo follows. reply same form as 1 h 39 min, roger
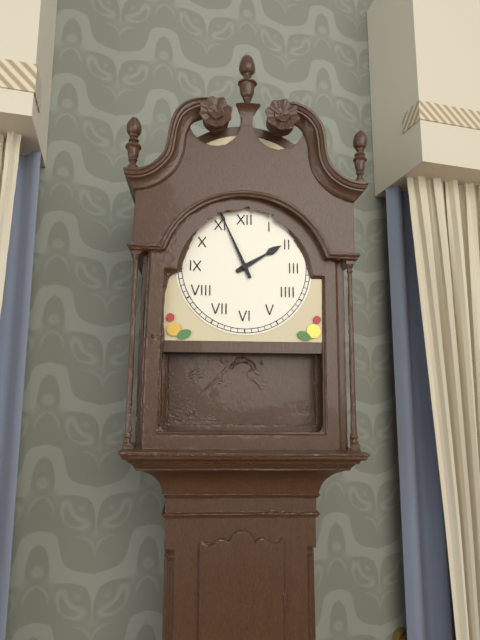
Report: 1 h 56 min
